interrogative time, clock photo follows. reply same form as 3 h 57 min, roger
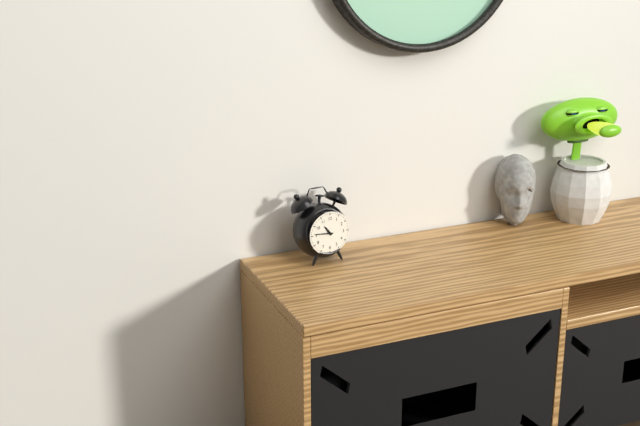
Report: 10 h 46 min
